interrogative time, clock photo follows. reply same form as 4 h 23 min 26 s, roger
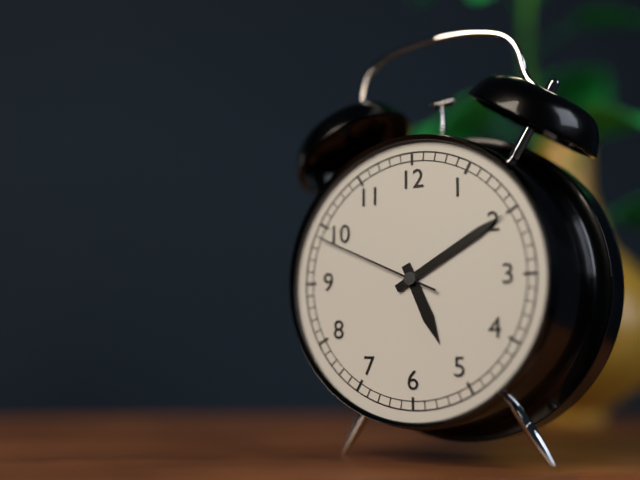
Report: 5 h 10 min 49 s
